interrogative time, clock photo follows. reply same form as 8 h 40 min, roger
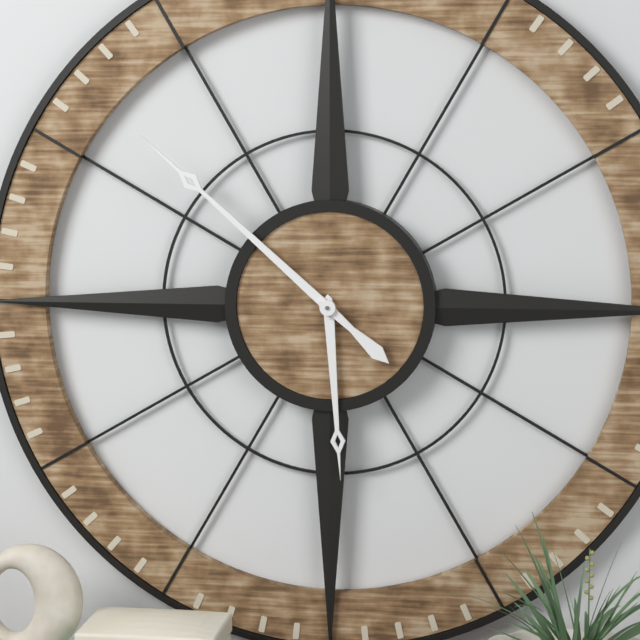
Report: 5 h 52 min
